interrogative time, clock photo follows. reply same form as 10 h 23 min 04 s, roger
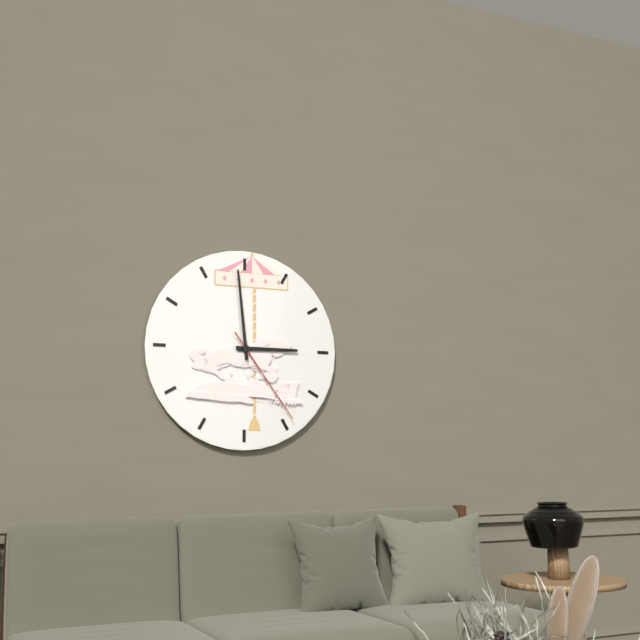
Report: 2 h 59 min 24 s
